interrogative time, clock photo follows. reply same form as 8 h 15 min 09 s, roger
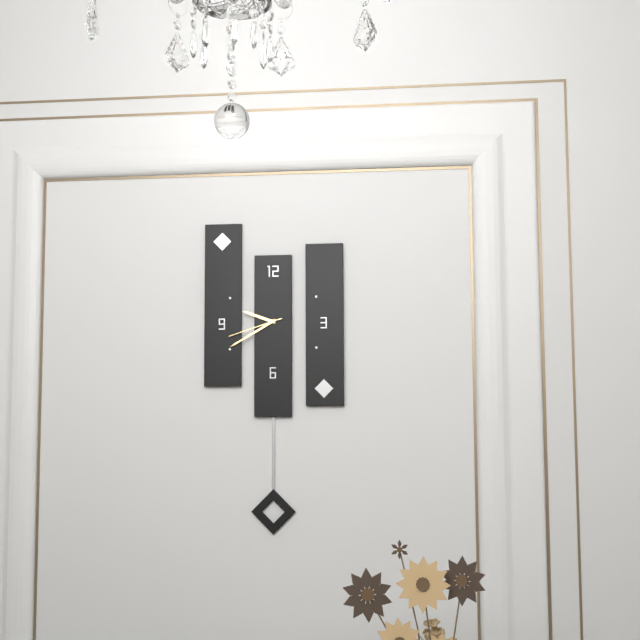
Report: 9 h 40 min 42 s
